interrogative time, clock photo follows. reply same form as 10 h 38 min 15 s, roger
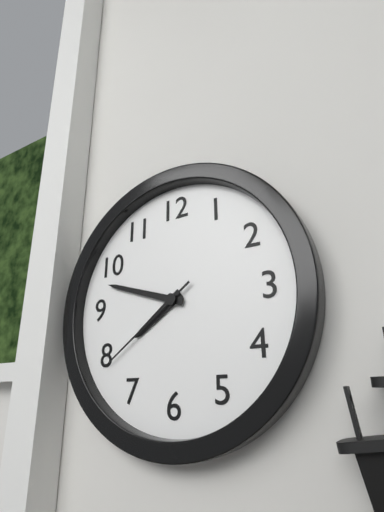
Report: 7 h 48 min 39 s
